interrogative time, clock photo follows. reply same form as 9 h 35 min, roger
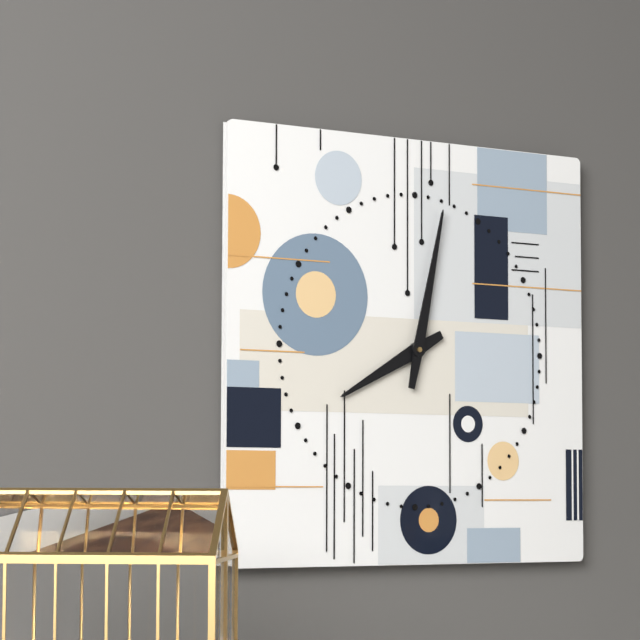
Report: 8 h 02 min
